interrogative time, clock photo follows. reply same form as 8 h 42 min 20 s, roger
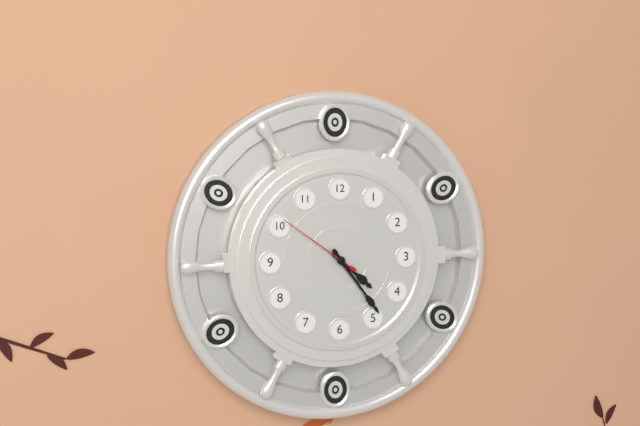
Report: 4 h 24 min 51 s
